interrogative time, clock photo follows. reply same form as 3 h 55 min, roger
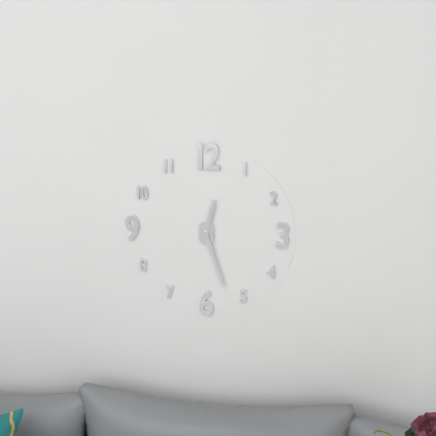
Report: 12 h 27 min
